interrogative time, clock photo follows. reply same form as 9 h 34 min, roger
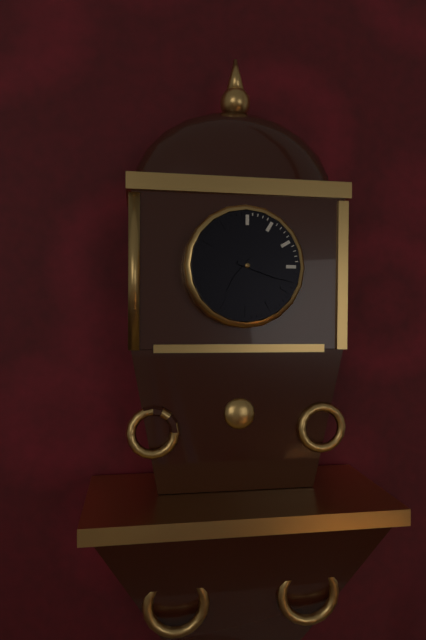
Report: 7 h 18 min
